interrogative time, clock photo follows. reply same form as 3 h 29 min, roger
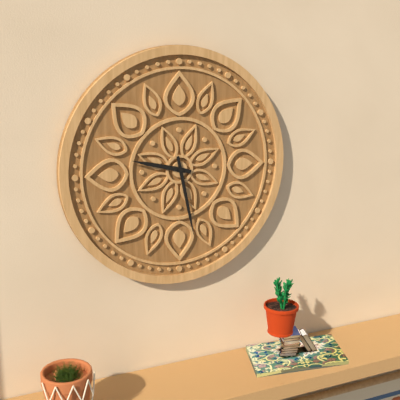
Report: 9 h 28 min
